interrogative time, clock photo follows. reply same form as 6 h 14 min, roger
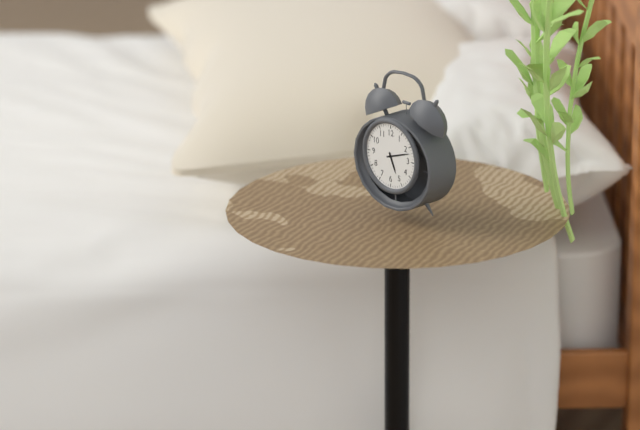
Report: 5 h 12 min
